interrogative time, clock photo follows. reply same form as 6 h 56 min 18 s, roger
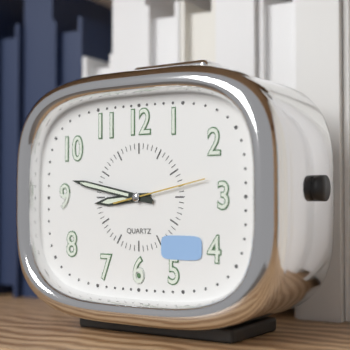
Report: 8 h 47 min 13 s
